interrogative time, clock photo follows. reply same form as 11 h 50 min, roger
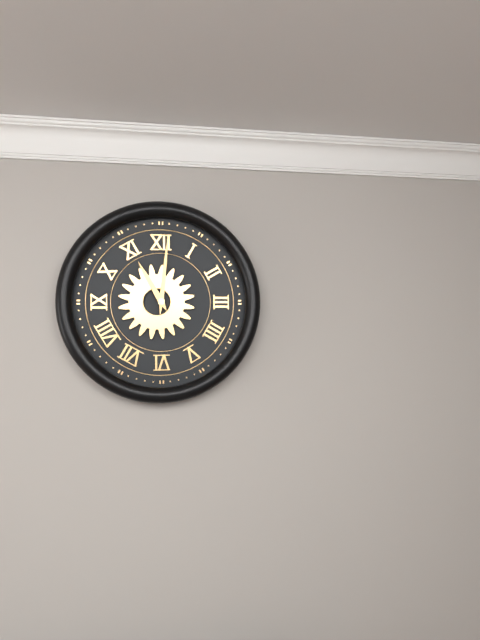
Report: 11 h 01 min
